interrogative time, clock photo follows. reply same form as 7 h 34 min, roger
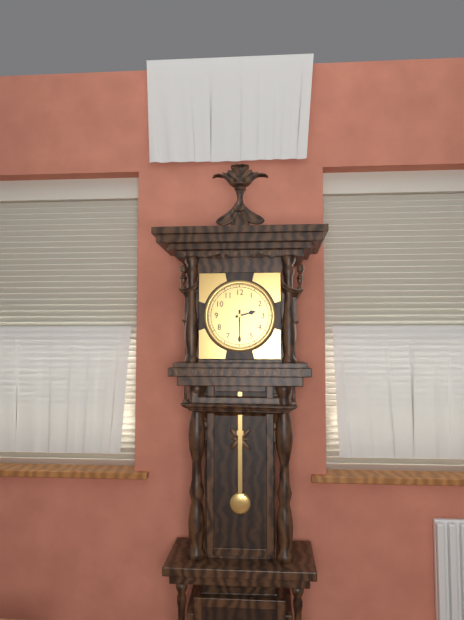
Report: 2 h 30 min
